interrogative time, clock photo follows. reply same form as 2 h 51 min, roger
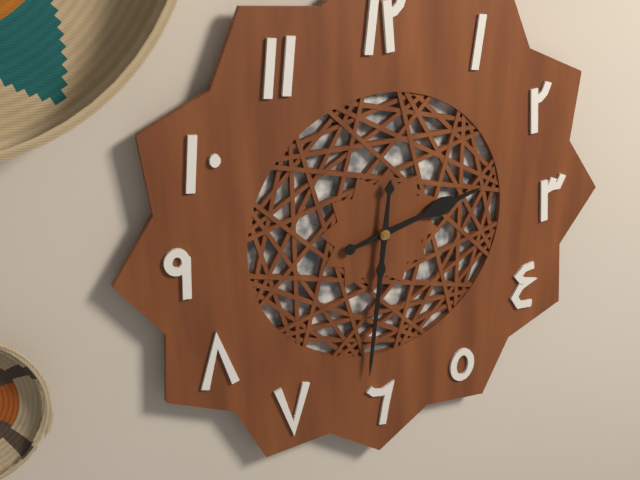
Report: 2 h 31 min
